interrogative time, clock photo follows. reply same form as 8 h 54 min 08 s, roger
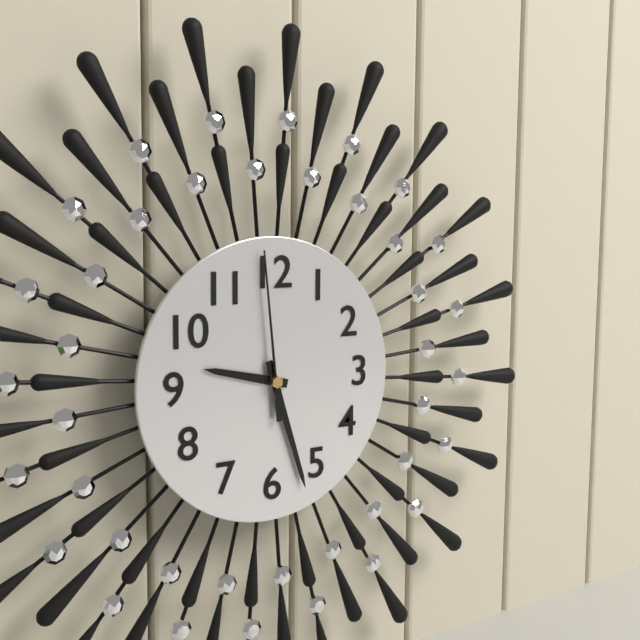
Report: 9 h 27 min 59 s
